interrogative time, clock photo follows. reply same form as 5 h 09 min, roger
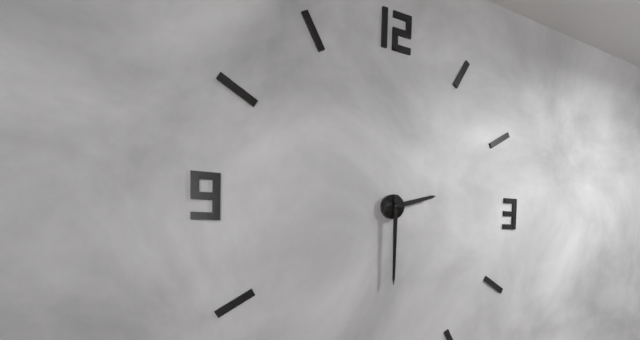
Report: 2 h 30 min
